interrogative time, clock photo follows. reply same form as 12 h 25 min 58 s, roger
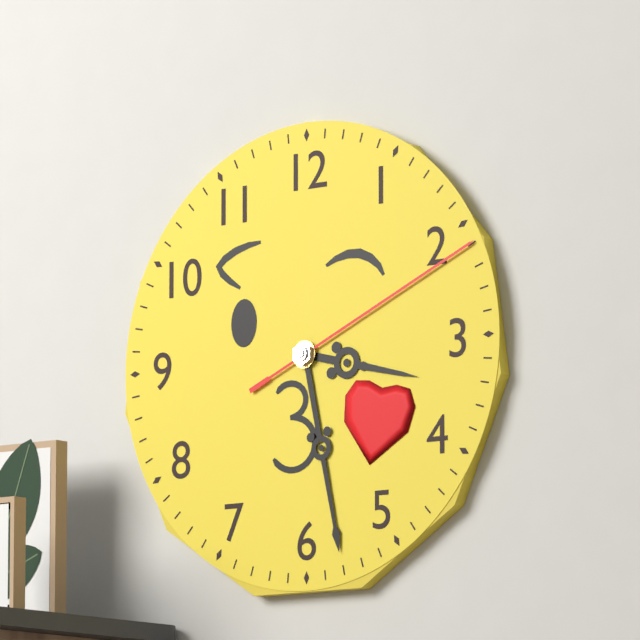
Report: 3 h 28 min 11 s
